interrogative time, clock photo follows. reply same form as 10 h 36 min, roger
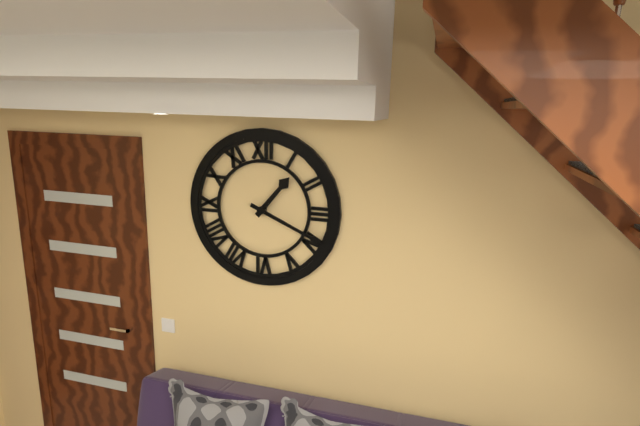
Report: 1 h 19 min
